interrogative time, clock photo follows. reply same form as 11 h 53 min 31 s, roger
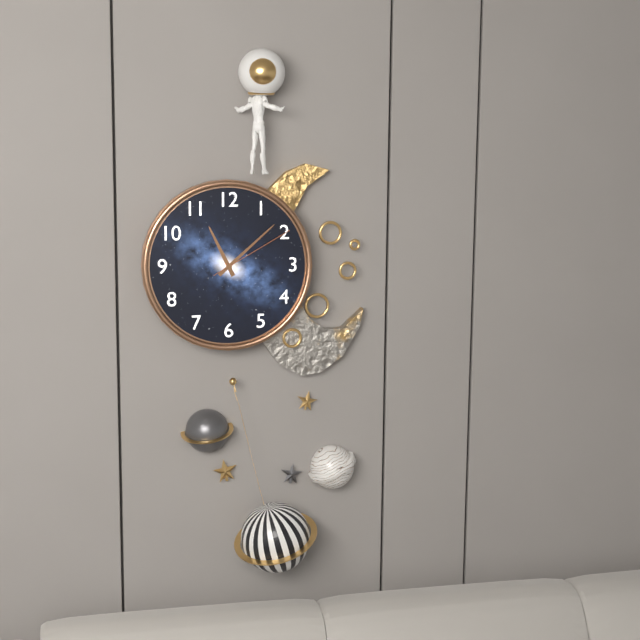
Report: 11 h 08 min 10 s
